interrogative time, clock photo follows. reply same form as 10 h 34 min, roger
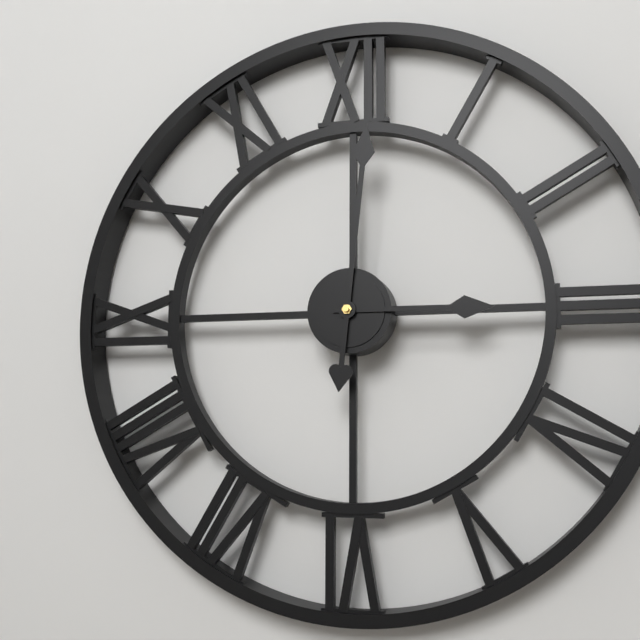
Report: 3 h 01 min
